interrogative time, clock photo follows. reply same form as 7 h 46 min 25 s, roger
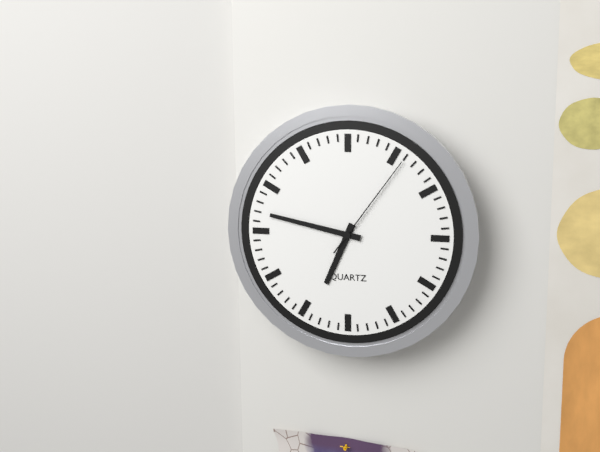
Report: 6 h 47 min 06 s
